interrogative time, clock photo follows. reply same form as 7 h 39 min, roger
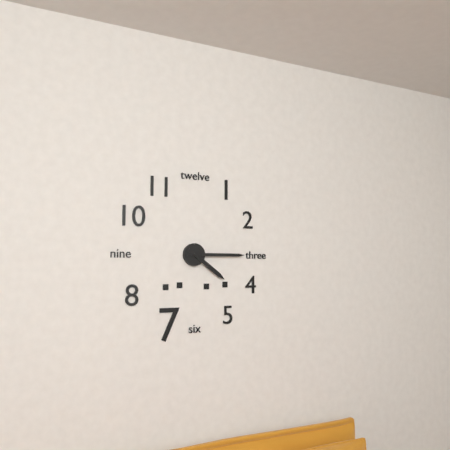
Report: 4 h 15 min
